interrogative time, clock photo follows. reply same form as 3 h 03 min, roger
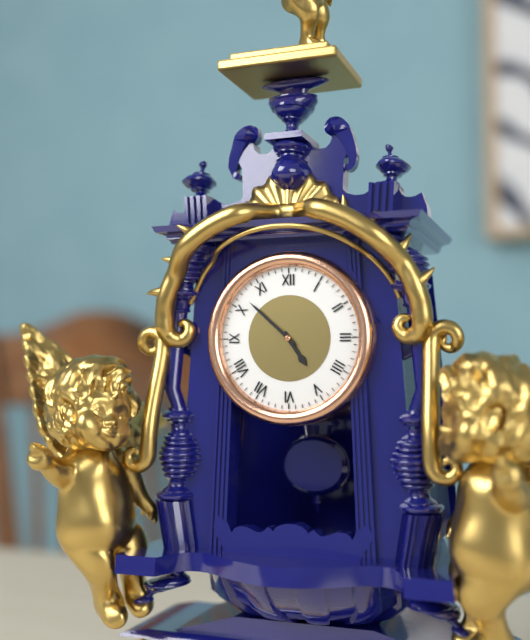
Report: 4 h 52 min
